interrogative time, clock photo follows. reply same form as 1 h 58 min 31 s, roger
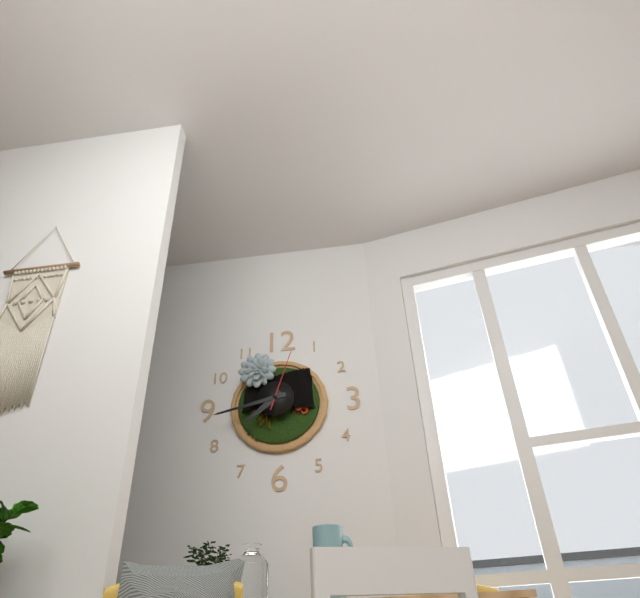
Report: 7 h 43 min 03 s
